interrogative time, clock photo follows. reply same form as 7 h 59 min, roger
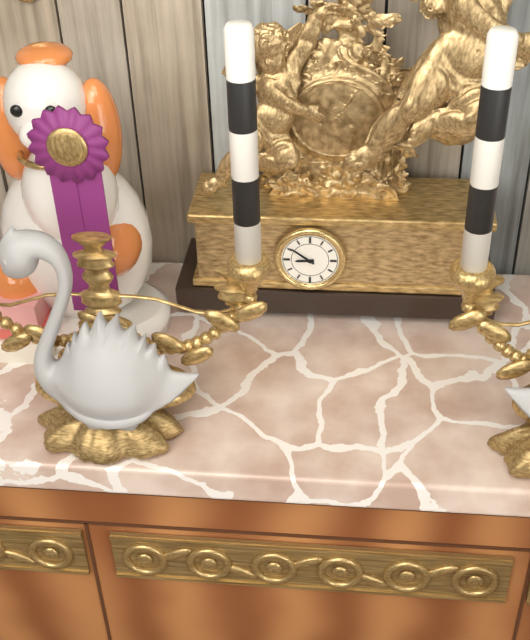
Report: 8 h 51 min
